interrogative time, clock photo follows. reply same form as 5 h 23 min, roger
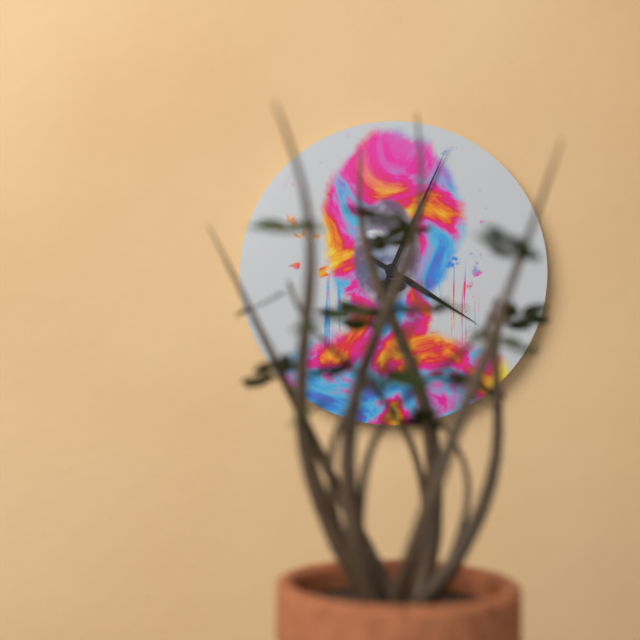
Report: 4 h 04 min
